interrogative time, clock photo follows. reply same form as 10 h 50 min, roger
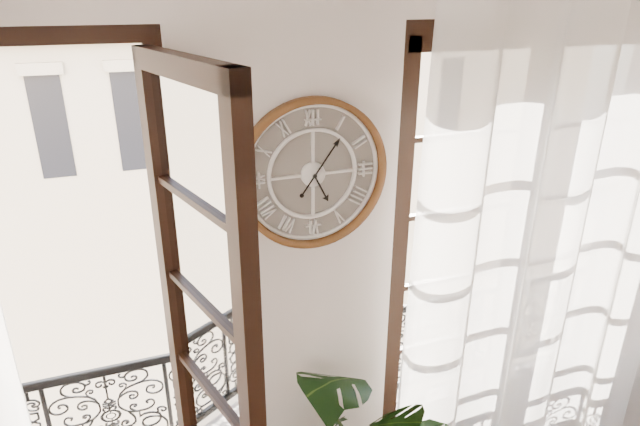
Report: 5 h 06 min
